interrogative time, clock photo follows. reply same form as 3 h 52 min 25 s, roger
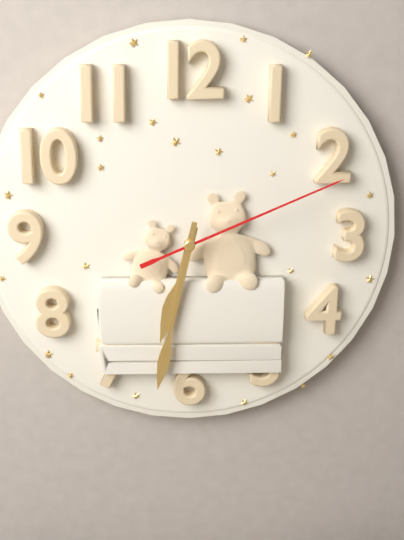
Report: 6 h 32 min 11 s
